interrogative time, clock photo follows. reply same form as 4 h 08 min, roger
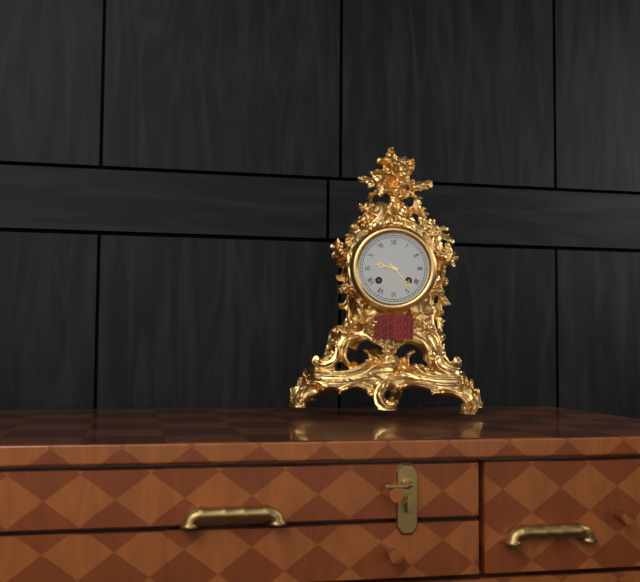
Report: 9 h 23 min
